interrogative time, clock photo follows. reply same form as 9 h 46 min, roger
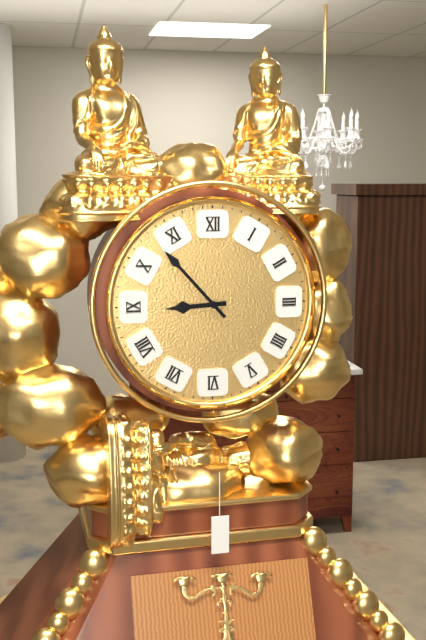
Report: 8 h 53 min
